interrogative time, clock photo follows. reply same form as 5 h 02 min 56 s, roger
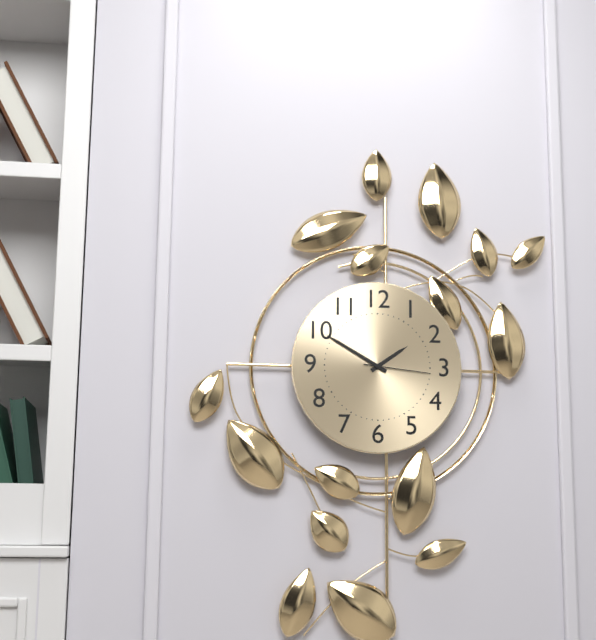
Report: 1 h 50 min 16 s
